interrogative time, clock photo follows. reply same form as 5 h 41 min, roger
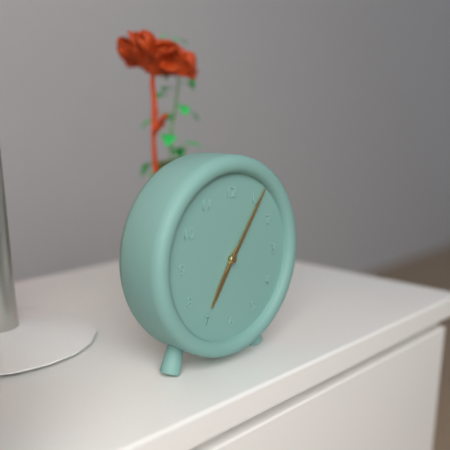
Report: 7 h 06 min
